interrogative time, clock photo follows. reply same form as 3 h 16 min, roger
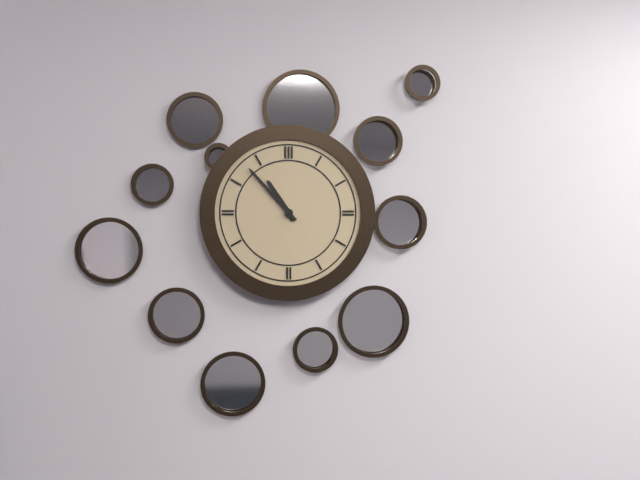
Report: 10 h 53 min
